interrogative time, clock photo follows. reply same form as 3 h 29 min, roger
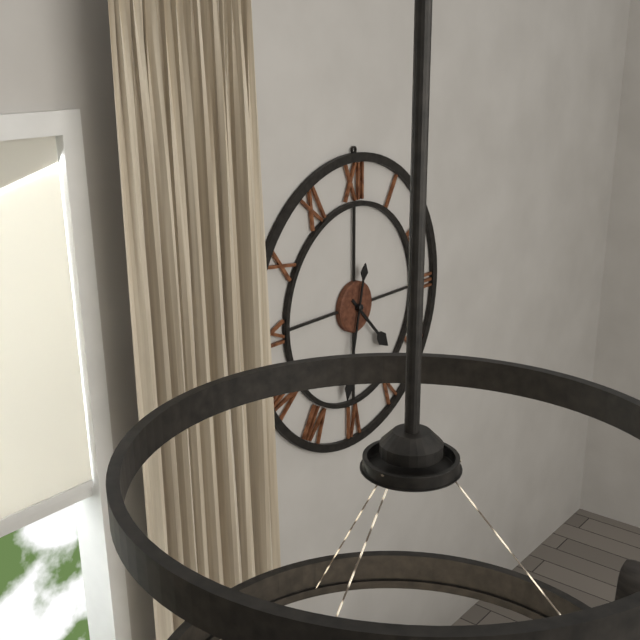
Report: 4 h 32 min
